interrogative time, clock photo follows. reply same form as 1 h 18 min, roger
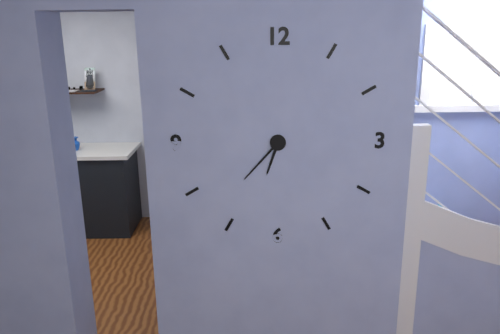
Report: 6 h 37 min
